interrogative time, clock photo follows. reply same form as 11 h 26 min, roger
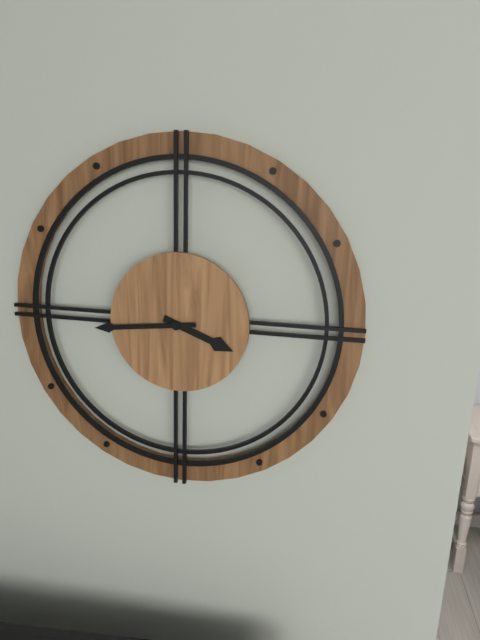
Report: 3 h 44 min
